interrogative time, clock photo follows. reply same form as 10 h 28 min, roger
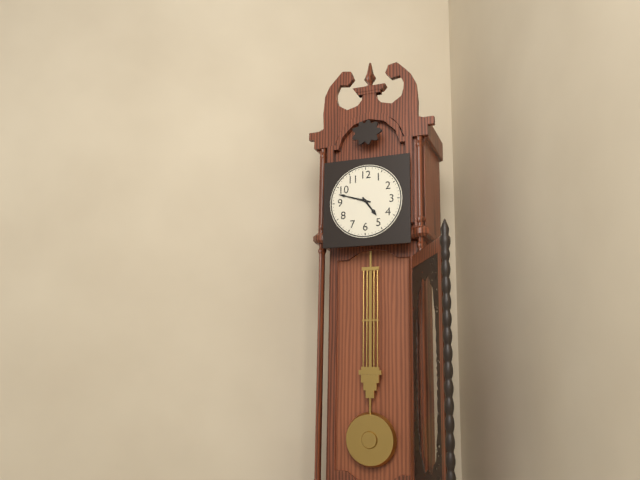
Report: 4 h 48 min
